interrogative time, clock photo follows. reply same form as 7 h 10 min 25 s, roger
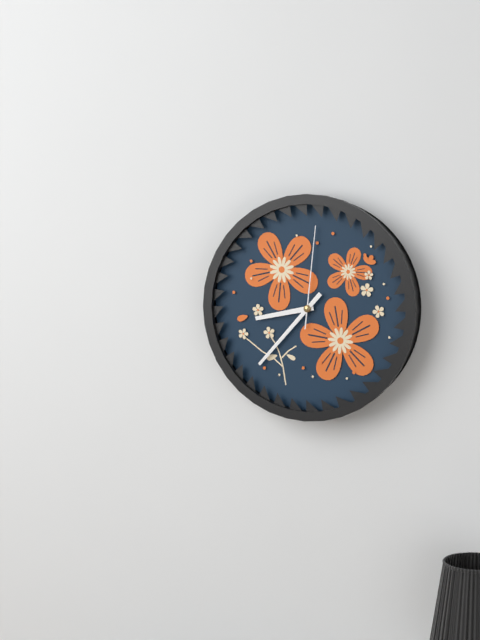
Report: 8 h 37 min 01 s
